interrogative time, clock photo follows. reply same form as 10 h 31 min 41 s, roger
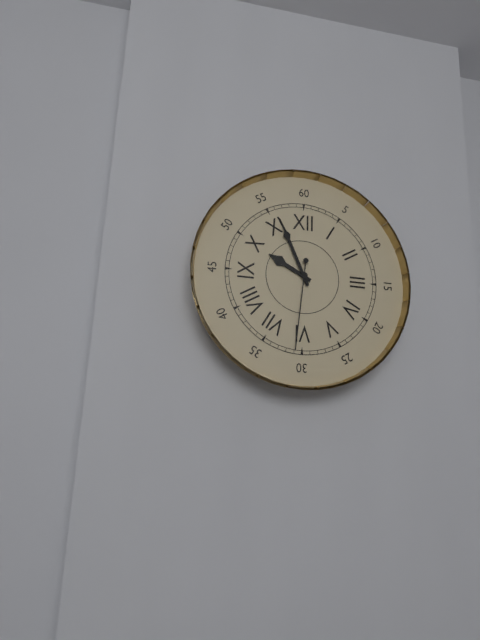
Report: 9 h 56 min 31 s
